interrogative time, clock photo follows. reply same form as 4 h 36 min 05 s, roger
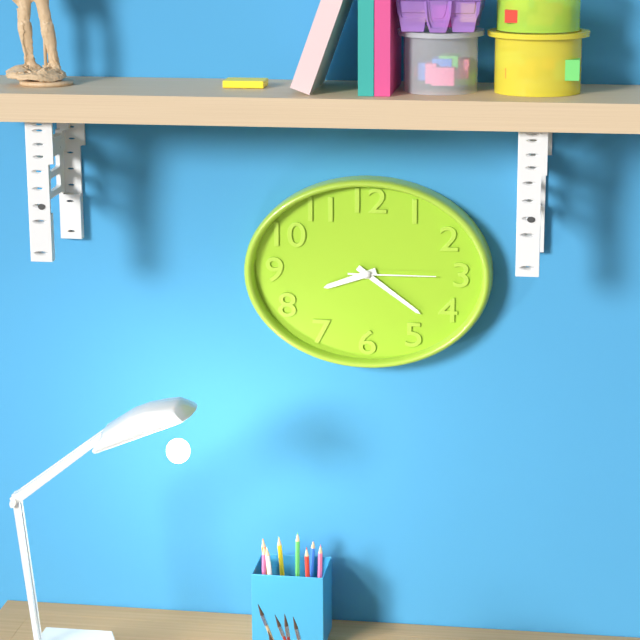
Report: 8 h 21 min 15 s
